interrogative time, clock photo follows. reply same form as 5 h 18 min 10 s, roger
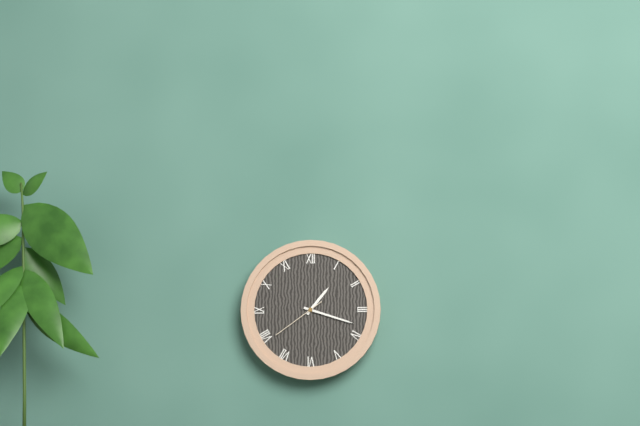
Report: 1 h 18 min 39 s
